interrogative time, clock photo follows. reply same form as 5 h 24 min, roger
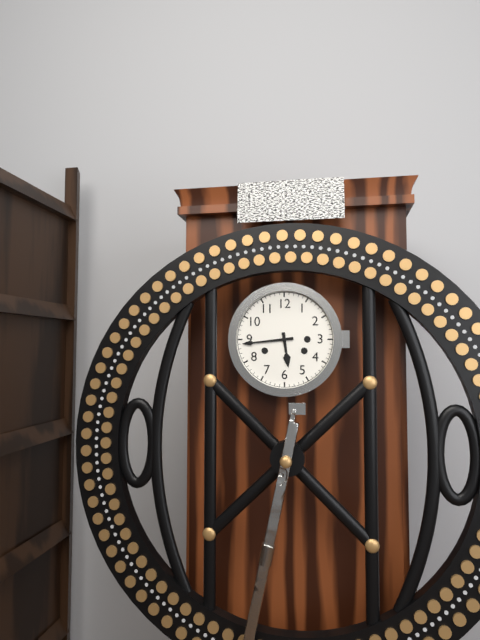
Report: 5 h 44 min
